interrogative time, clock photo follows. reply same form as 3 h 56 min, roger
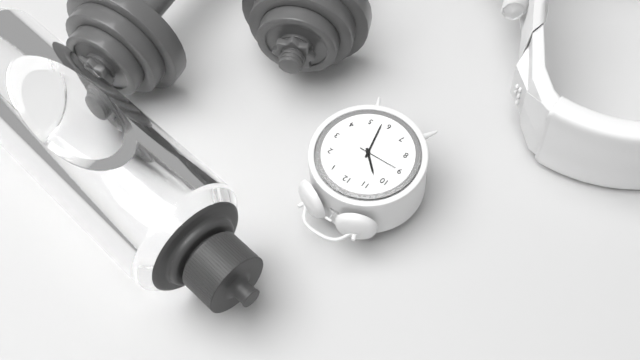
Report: 10 h 28 min
